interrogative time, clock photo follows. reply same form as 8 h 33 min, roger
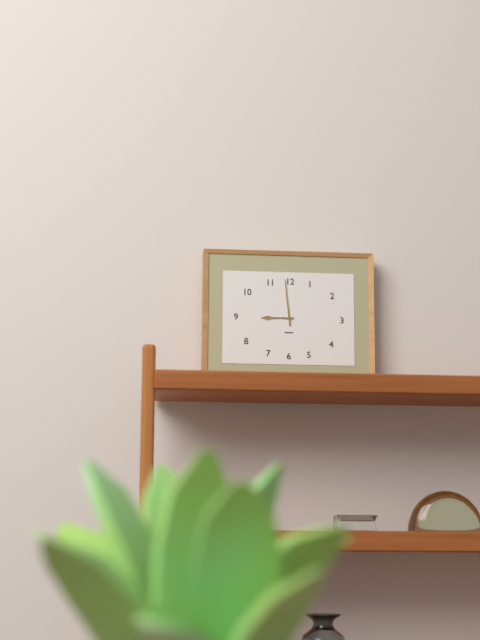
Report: 8 h 59 min
